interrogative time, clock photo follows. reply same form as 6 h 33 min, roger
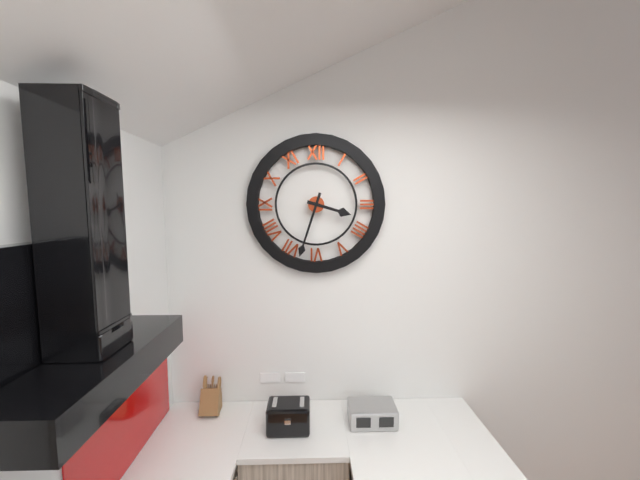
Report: 3 h 33 min
